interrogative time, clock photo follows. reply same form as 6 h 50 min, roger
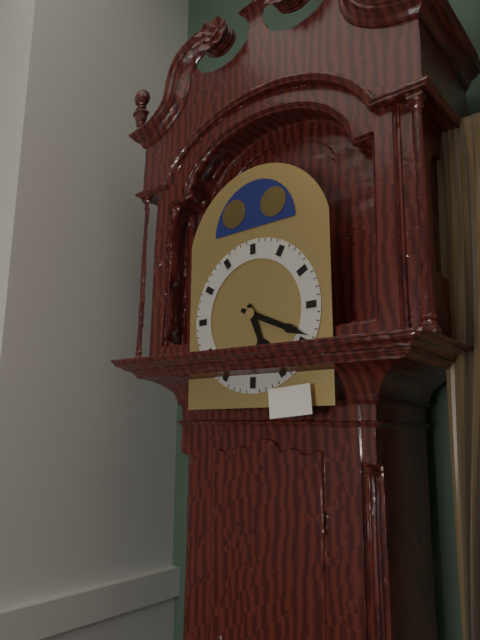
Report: 5 h 19 min
